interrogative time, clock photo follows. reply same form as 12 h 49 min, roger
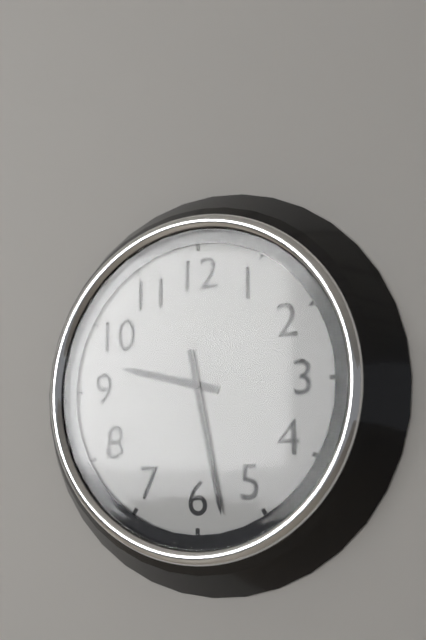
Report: 9 h 28 min
